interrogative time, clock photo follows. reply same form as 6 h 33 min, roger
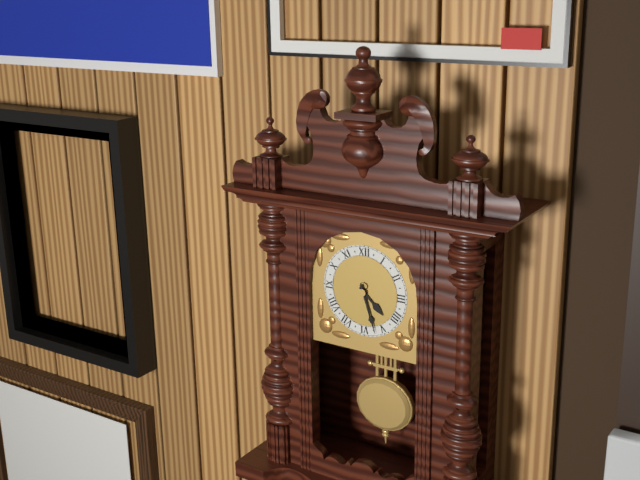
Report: 4 h 27 min
